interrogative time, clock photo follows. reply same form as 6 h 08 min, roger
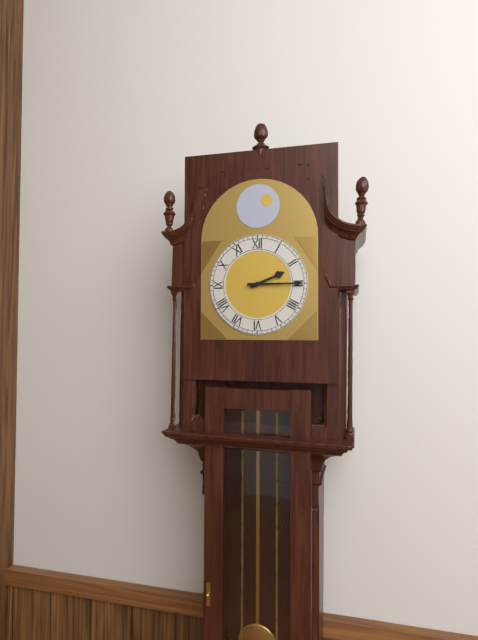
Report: 2 h 15 min
